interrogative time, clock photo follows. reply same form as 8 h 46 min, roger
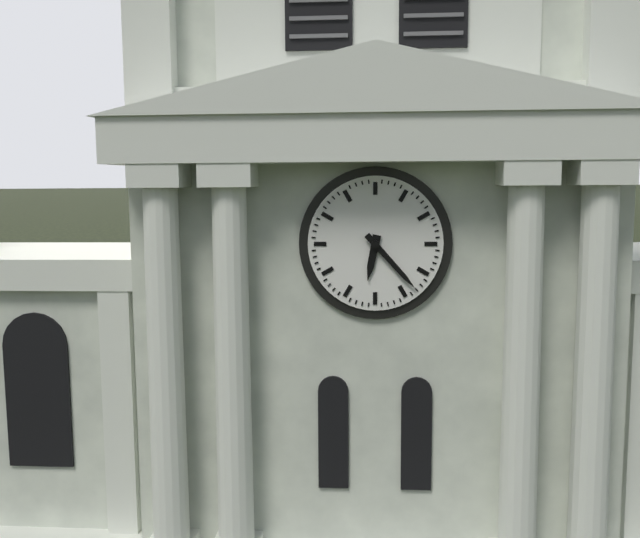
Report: 6 h 23 min
